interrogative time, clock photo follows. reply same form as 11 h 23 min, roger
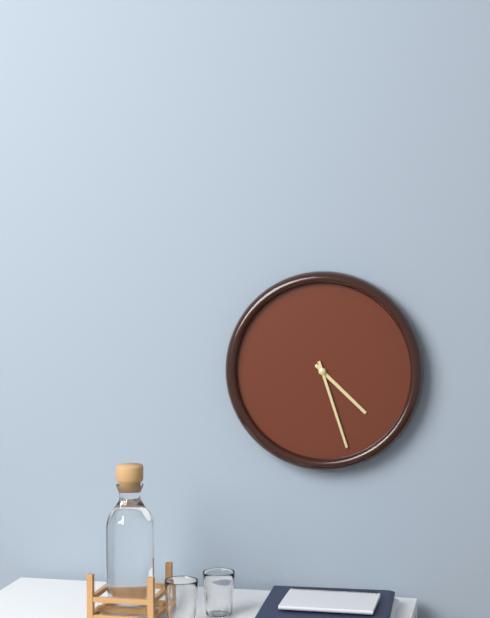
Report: 4 h 27 min
